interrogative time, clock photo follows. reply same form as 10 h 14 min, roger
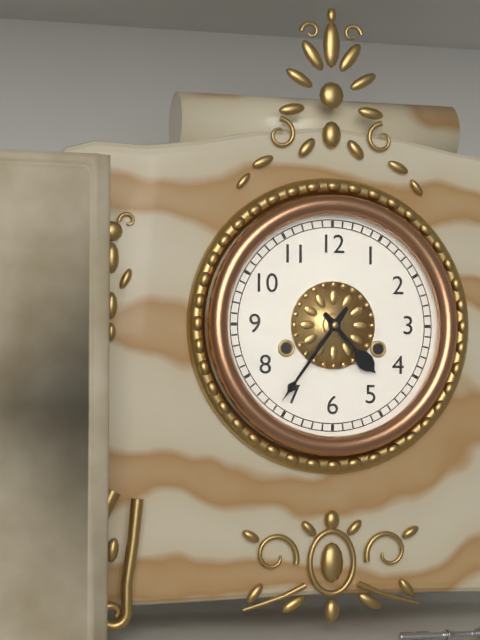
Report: 4 h 36 min
